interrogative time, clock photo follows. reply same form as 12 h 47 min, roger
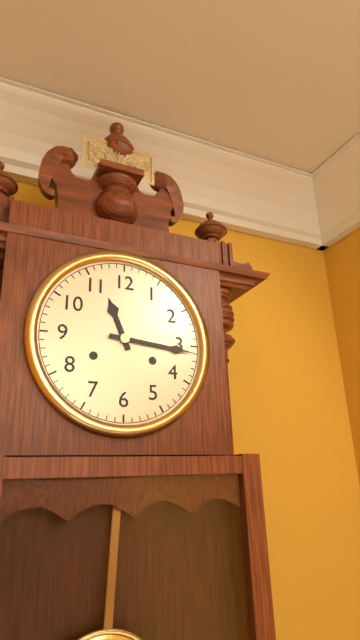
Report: 11 h 16 min
